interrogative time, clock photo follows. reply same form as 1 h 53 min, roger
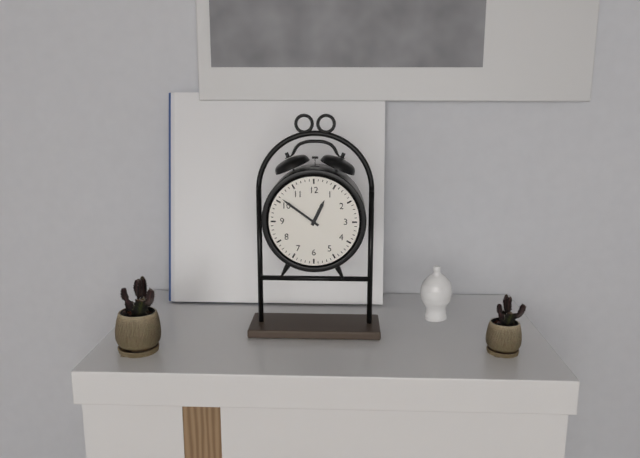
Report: 12 h 51 min
